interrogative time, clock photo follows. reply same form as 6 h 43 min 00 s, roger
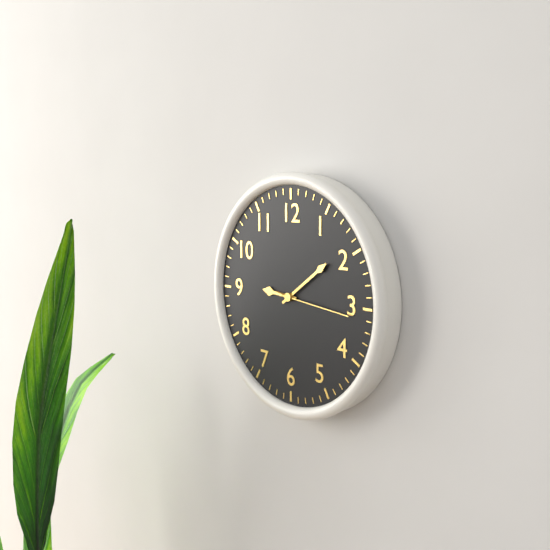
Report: 9 h 09 min 16 s
